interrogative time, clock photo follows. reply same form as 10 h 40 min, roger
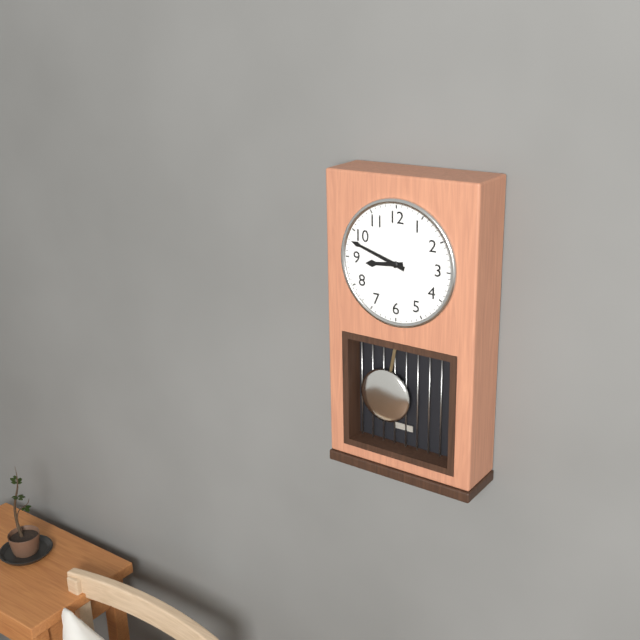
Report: 8 h 48 min
